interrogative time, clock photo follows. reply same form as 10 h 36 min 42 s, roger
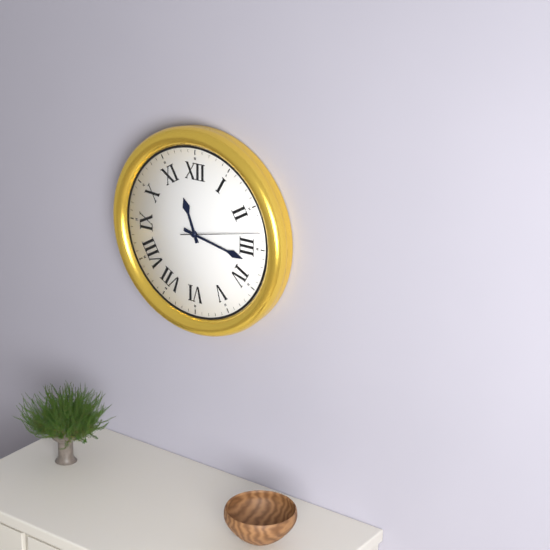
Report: 11 h 17 min 13 s
